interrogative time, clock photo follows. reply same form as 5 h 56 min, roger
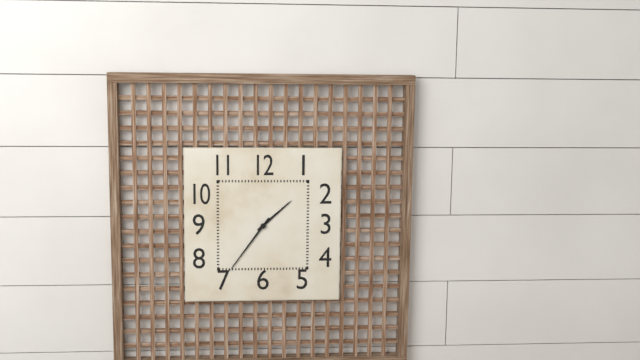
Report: 1 h 36 min
